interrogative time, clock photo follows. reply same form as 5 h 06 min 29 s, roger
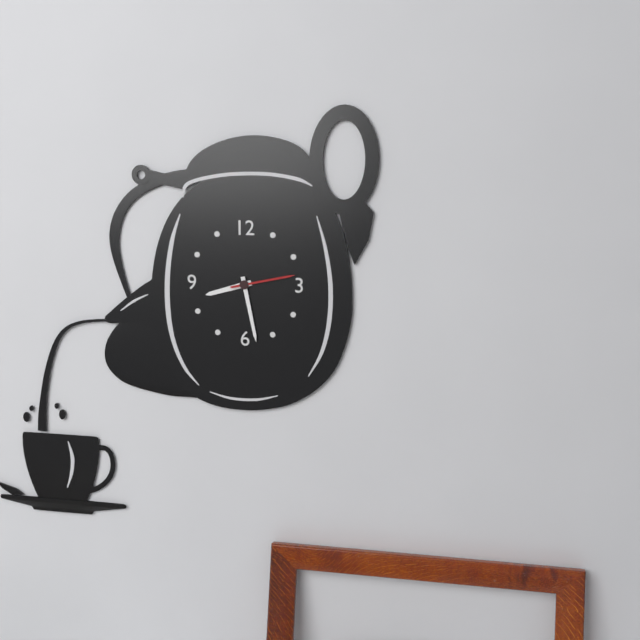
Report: 8 h 28 min 13 s
